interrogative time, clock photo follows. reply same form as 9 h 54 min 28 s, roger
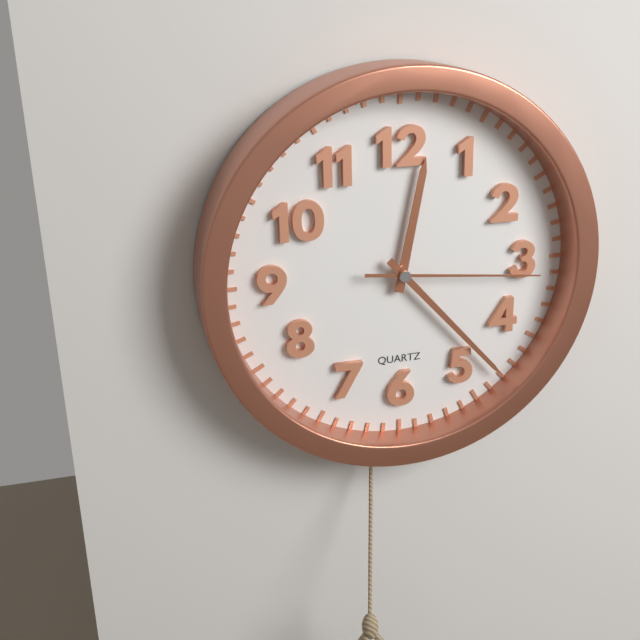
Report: 12 h 23 min 16 s
